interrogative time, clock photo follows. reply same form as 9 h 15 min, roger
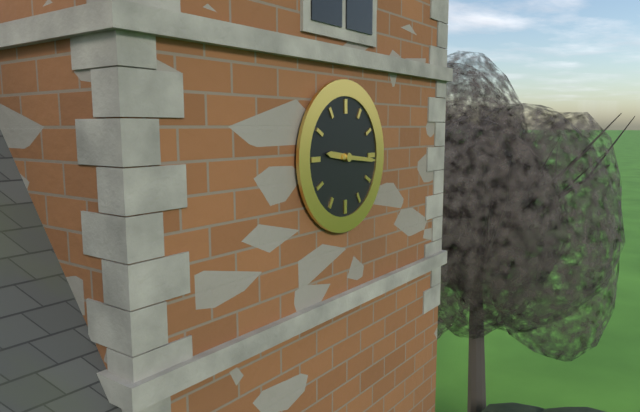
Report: 9 h 16 min
